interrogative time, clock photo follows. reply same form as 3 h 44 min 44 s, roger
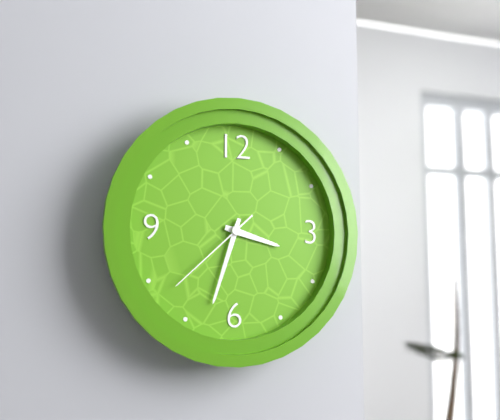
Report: 3 h 33 min 38 s
